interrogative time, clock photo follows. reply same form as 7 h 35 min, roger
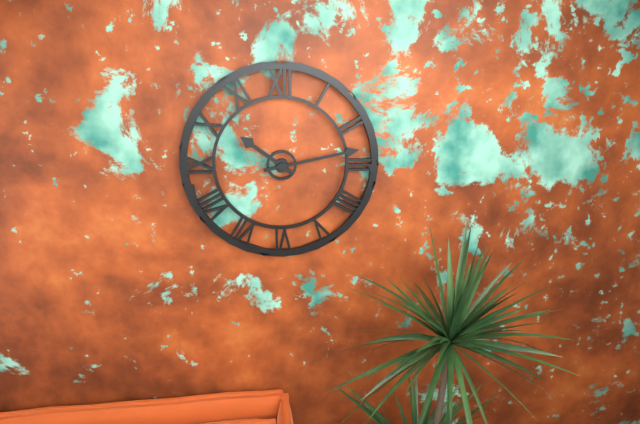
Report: 10 h 13 min
